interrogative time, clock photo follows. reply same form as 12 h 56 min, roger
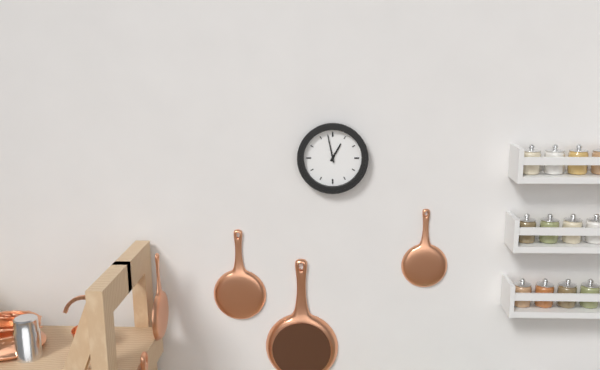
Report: 12 h 58 min
